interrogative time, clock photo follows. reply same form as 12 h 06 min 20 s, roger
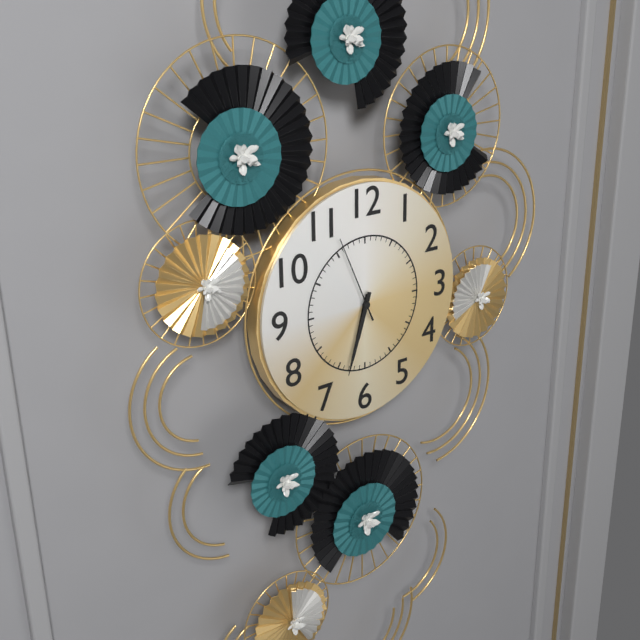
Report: 6 h 33 min 56 s
